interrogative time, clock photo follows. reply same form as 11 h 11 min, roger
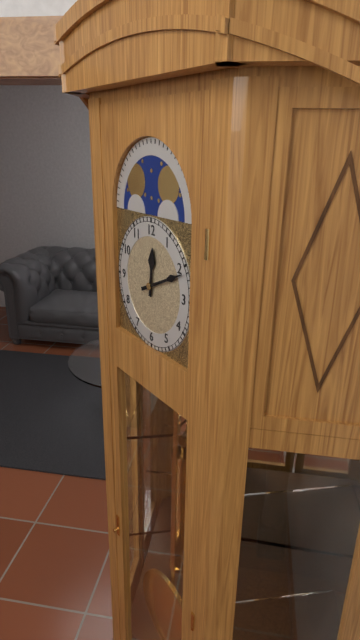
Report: 12 h 11 min
